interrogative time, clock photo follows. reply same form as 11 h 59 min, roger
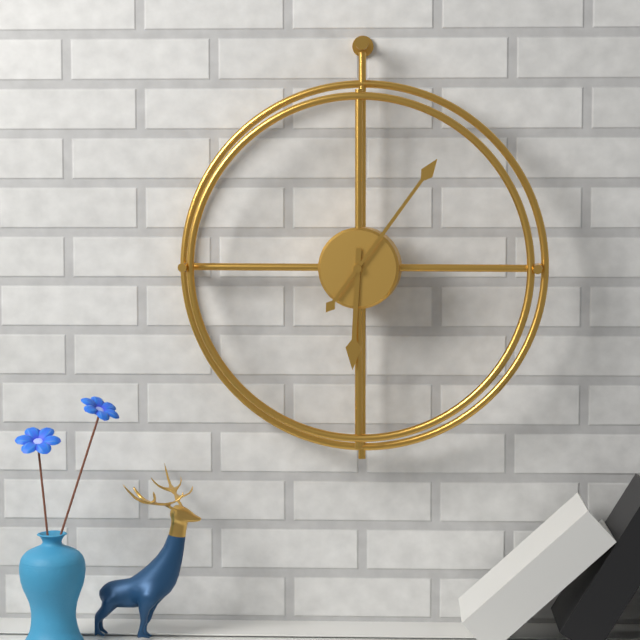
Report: 6 h 06 min
